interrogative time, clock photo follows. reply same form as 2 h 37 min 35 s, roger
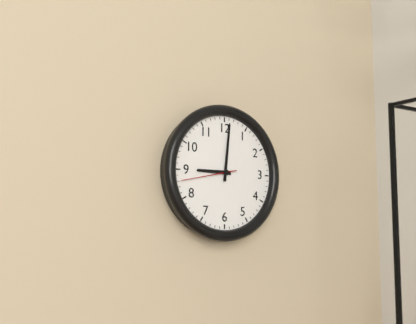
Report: 9 h 01 min 43 s
